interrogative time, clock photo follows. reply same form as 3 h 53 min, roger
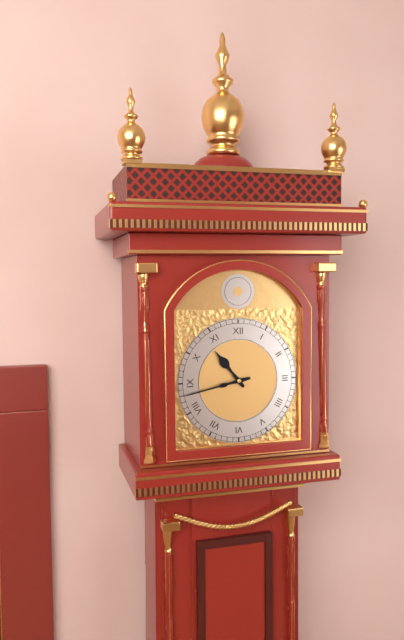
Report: 10 h 43 min
